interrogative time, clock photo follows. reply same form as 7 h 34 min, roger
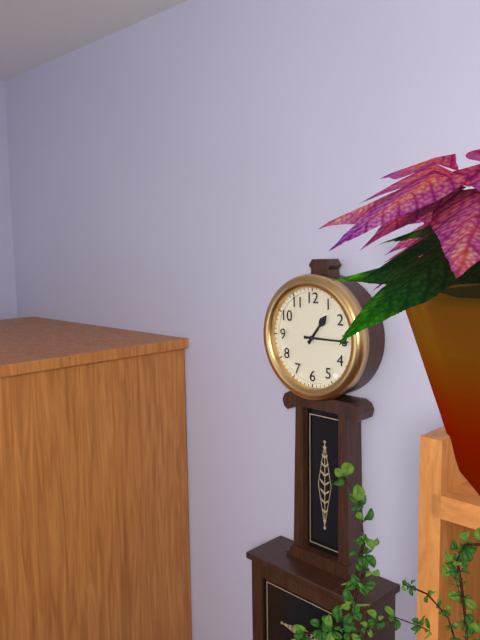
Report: 1 h 15 min
